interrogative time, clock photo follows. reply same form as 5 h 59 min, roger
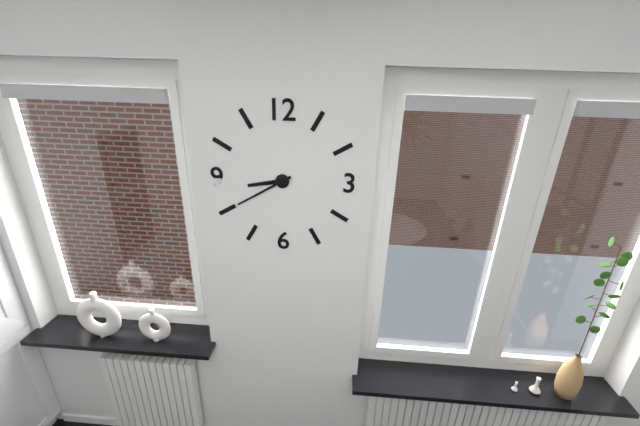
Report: 8 h 40 min
